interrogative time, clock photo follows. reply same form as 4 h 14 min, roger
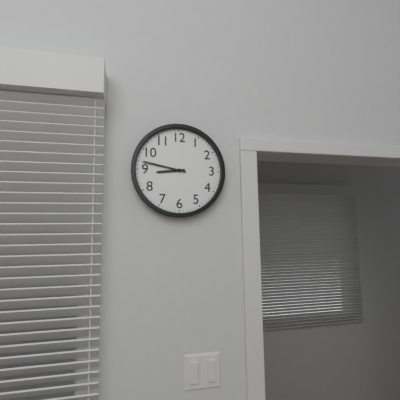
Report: 8 h 47 min
